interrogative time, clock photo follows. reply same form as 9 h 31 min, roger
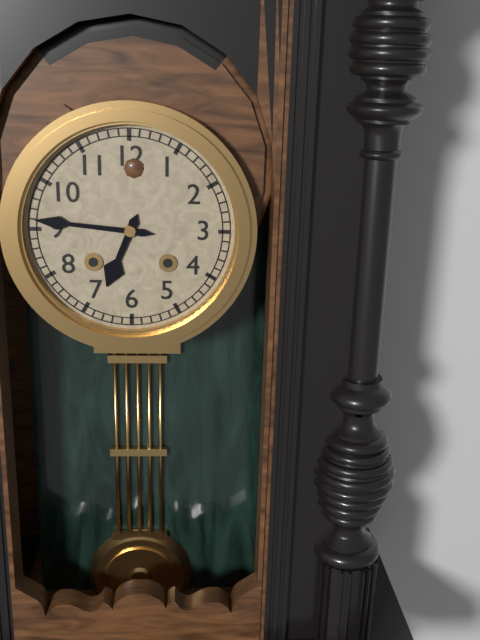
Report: 6 h 46 min
